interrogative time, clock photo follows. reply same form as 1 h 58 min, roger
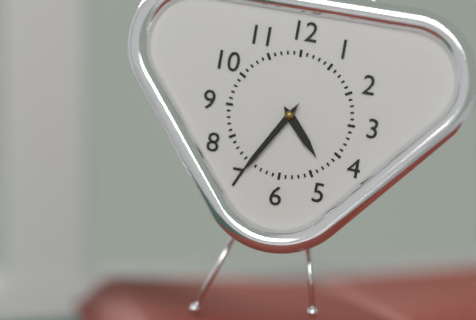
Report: 4 h 35 min
